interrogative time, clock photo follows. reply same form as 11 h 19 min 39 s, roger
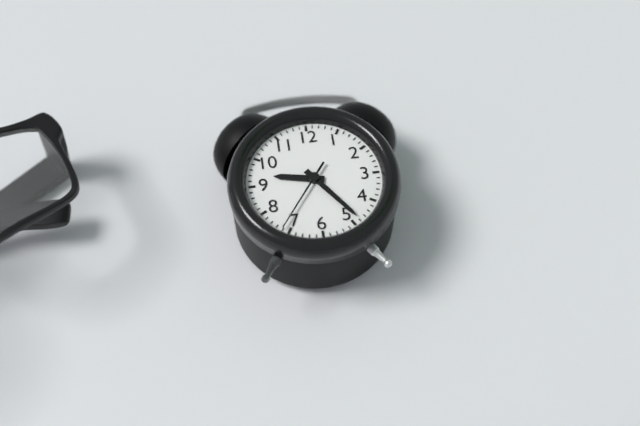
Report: 9 h 24 min 36 s
